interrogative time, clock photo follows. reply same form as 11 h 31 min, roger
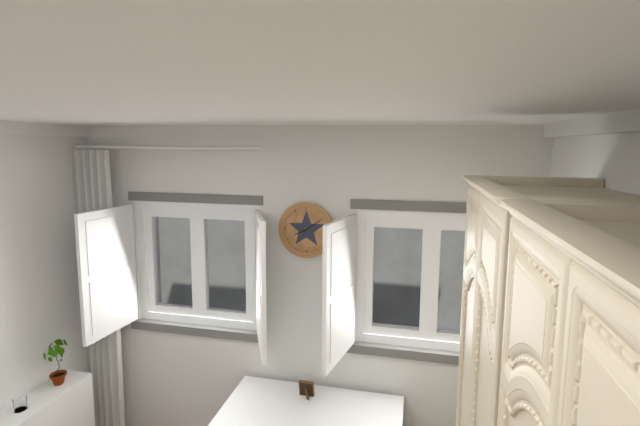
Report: 8 h 09 min
